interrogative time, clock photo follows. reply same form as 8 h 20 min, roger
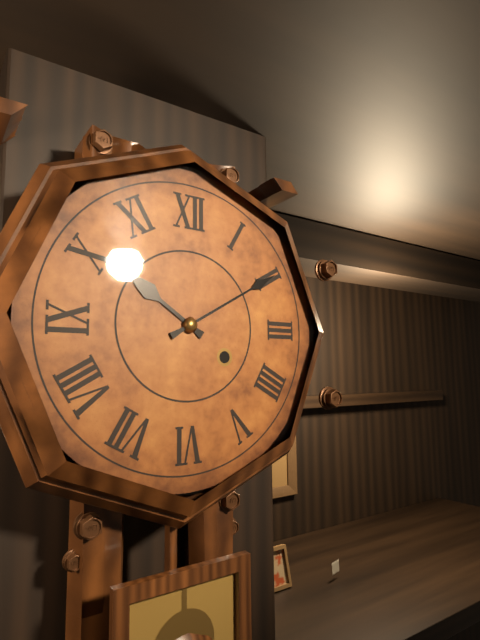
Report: 10 h 10 min
